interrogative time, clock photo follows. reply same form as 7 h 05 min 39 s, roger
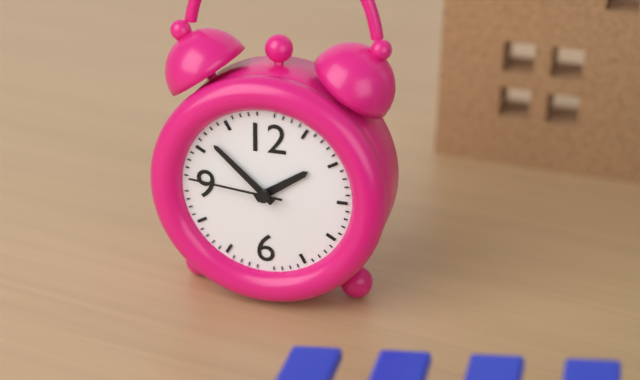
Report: 1 h 52 min 46 s
